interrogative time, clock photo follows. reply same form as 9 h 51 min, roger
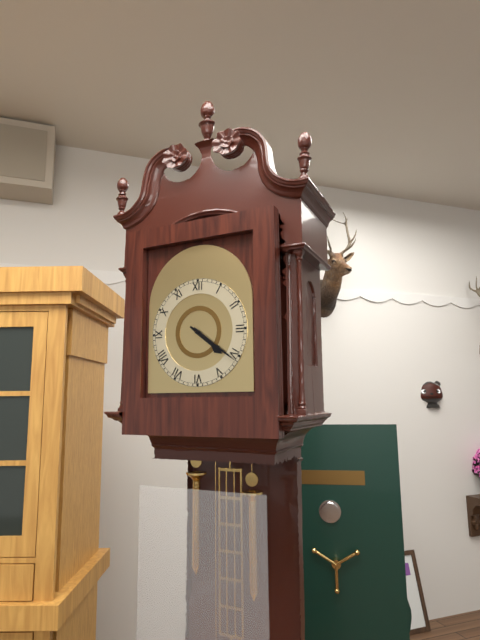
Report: 4 h 21 min
